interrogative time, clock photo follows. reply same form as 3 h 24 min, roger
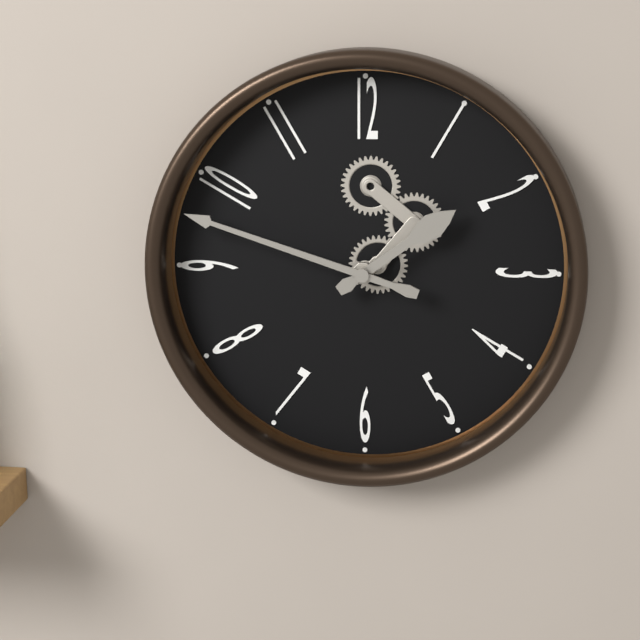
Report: 1 h 48 min
